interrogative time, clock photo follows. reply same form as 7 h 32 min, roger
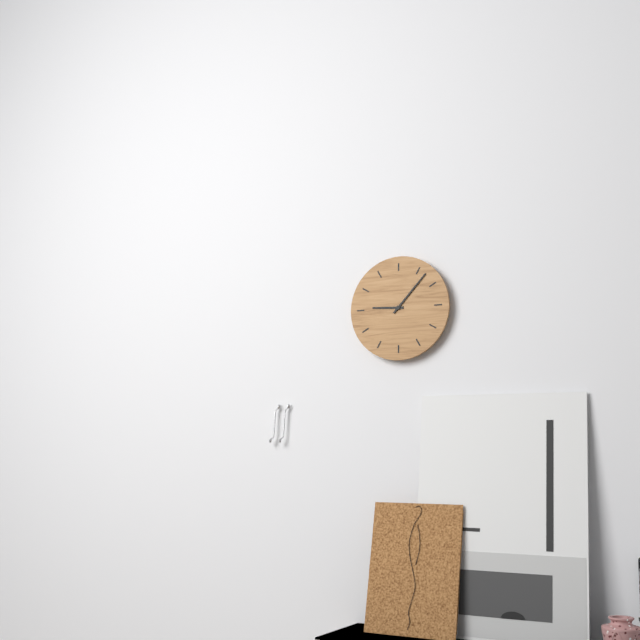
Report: 9 h 07 min
